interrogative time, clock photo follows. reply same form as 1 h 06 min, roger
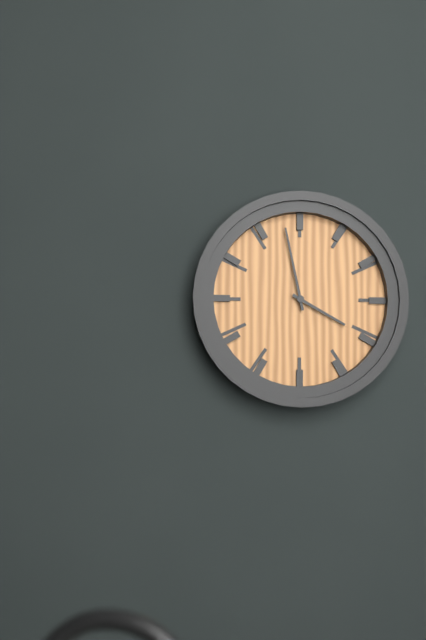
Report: 3 h 58 min
